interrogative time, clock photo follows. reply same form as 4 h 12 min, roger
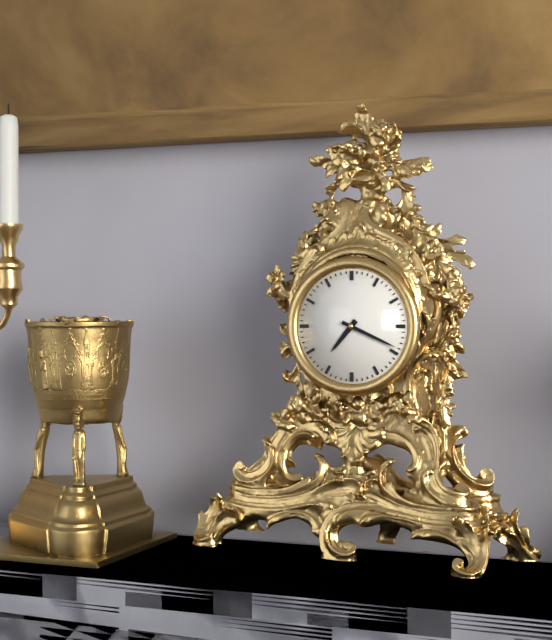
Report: 7 h 19 min
